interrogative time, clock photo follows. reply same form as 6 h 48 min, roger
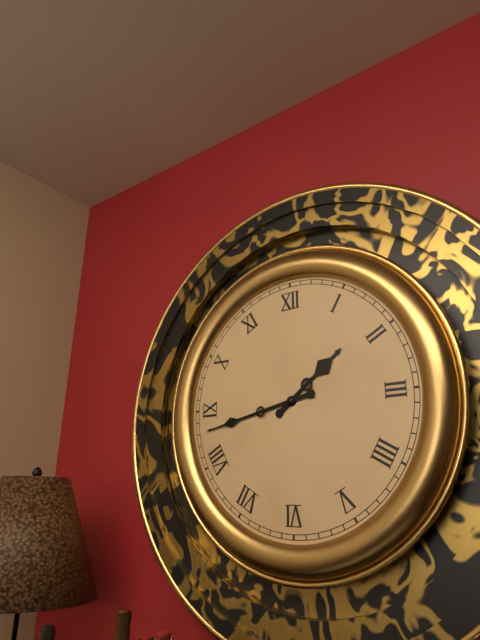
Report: 1 h 43 min
